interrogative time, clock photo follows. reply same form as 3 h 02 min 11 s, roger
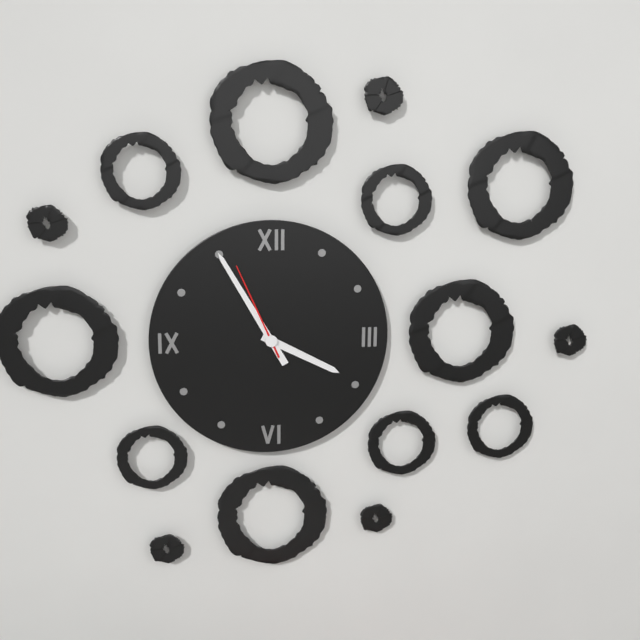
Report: 3 h 55 min 56 s
